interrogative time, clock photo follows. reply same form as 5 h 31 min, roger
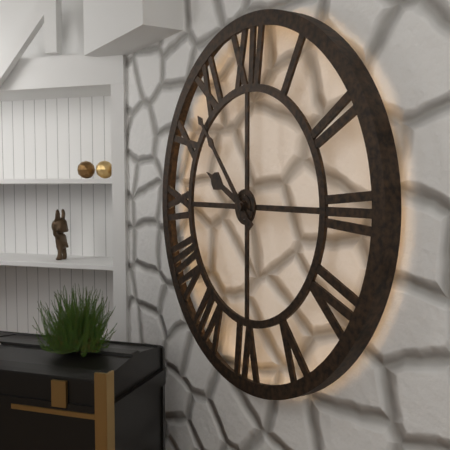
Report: 9 h 53 min
